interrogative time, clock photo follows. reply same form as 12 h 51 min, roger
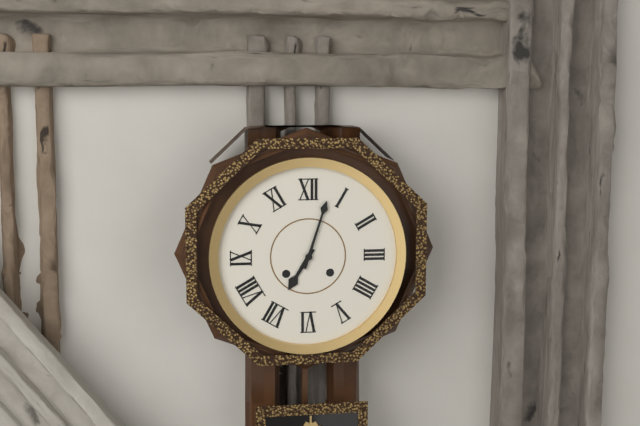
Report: 7 h 03 min
